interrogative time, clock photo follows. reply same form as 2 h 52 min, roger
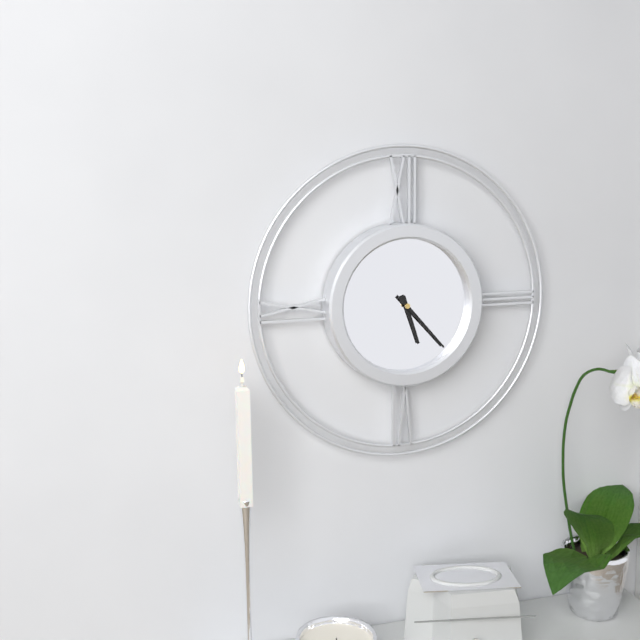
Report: 5 h 23 min
